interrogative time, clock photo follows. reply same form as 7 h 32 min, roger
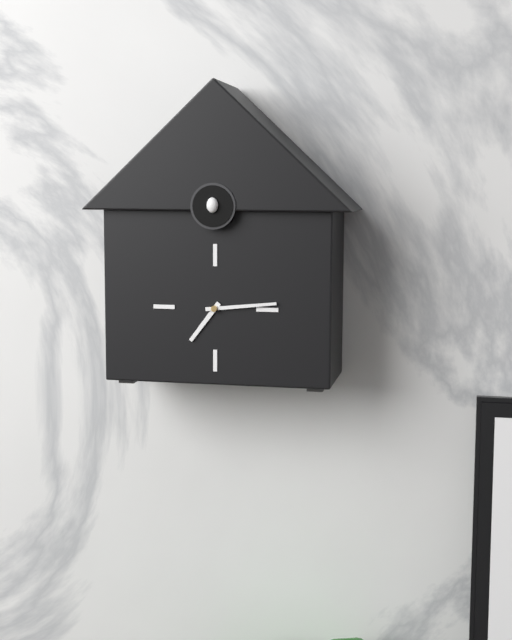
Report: 7 h 14 min
